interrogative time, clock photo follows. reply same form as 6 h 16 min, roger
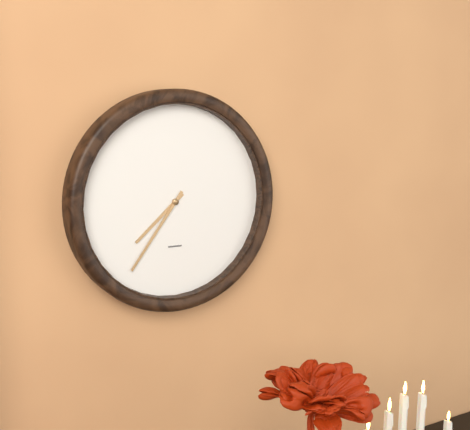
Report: 7 h 36 min
